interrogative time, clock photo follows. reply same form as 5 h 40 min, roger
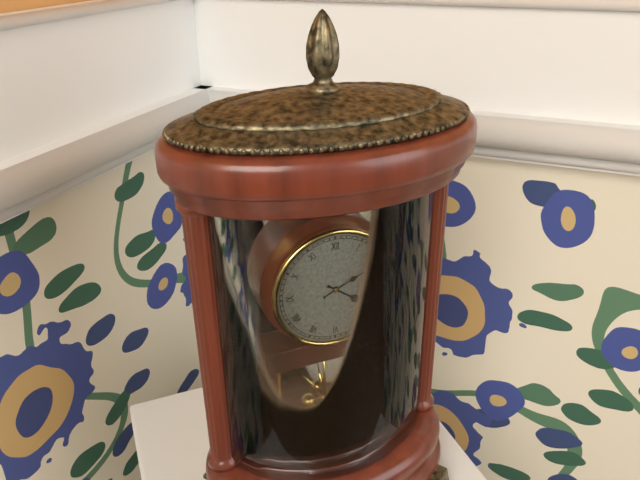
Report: 4 h 11 min
